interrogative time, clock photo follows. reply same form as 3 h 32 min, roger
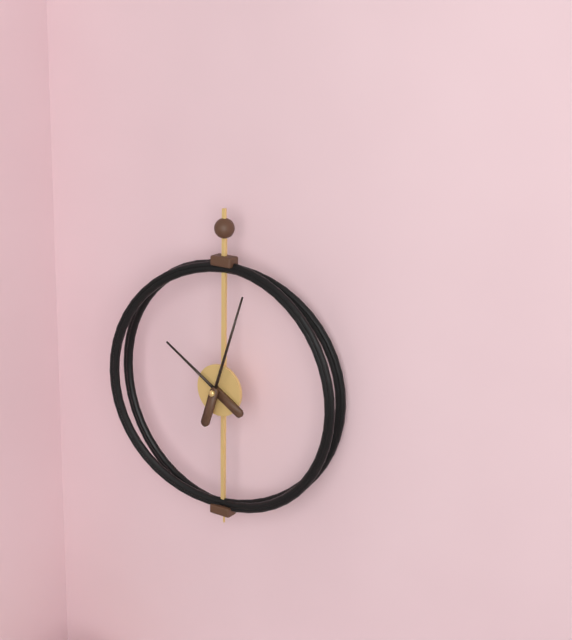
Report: 10 h 03 min
